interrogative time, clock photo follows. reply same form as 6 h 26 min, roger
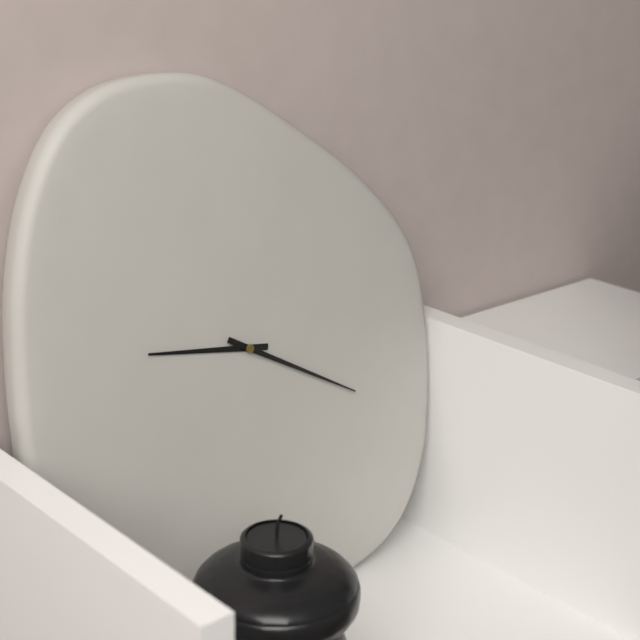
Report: 9 h 20 min
